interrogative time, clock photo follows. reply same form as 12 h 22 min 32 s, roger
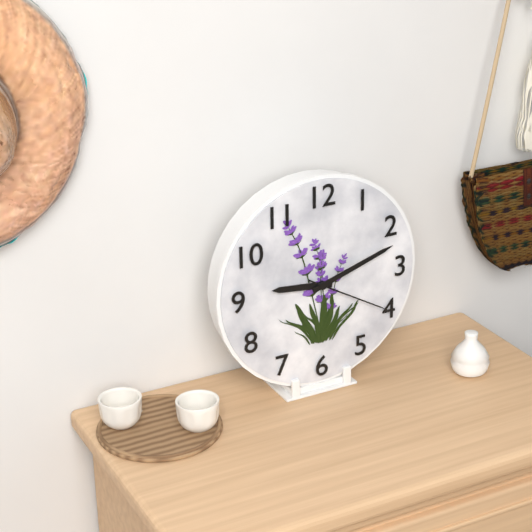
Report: 9 h 12 min 20 s
